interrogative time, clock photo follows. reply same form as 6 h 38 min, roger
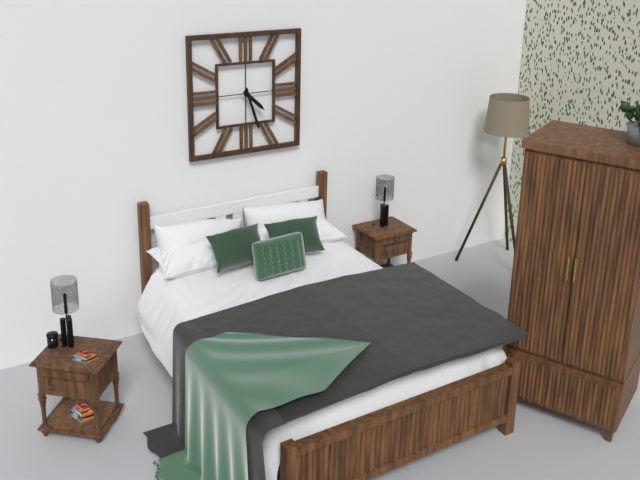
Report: 4 h 27 min
